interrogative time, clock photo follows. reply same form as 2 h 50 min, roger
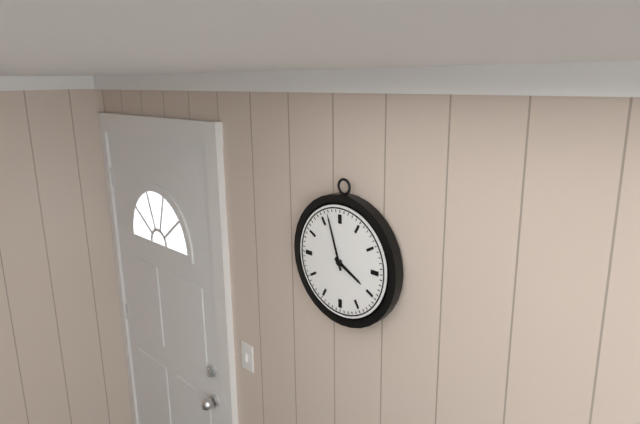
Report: 3 h 57 min
